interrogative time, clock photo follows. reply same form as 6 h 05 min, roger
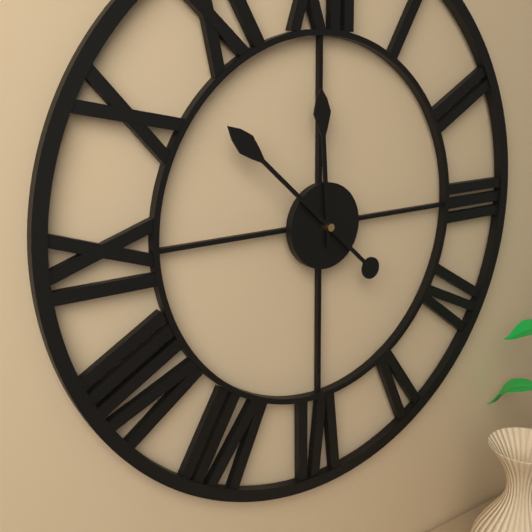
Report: 11 h 52 min
